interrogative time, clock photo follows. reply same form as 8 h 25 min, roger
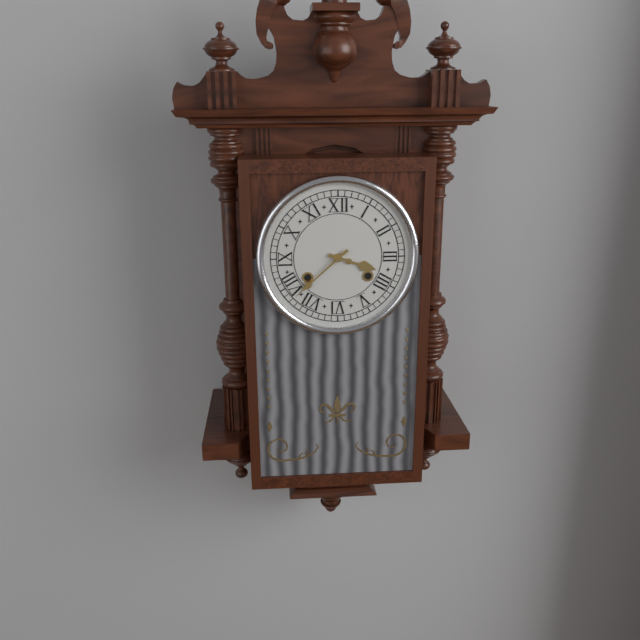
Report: 3 h 38 min
